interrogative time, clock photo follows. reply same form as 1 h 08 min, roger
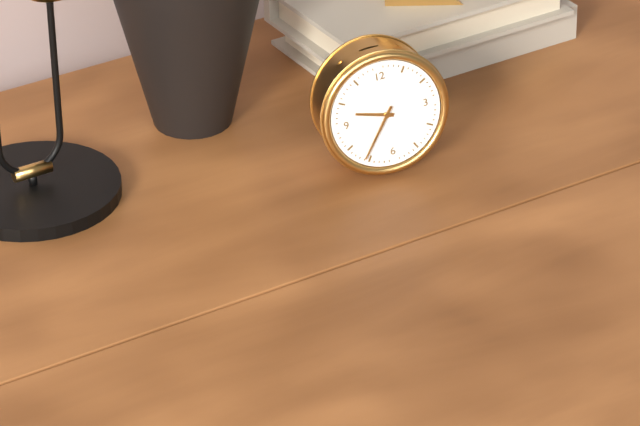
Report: 9 h 36 min
